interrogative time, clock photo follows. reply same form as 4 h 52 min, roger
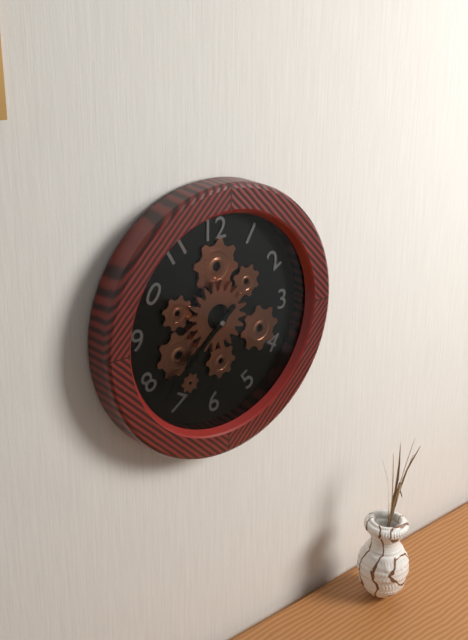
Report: 7 h 38 min
